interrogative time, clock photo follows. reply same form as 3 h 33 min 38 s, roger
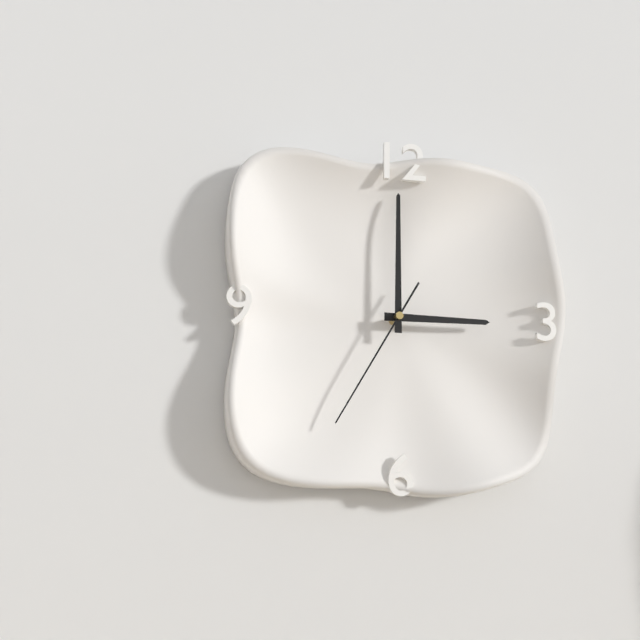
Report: 3 h 00 min 35 s
